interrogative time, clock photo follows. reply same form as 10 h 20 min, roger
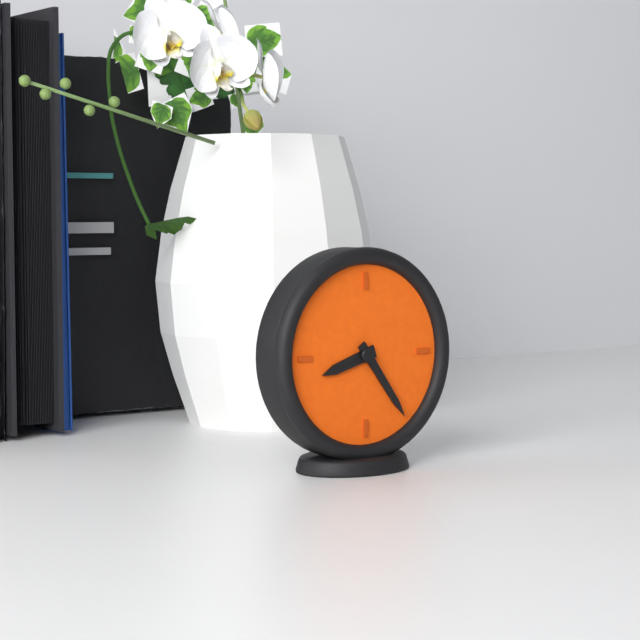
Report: 8 h 24 min
